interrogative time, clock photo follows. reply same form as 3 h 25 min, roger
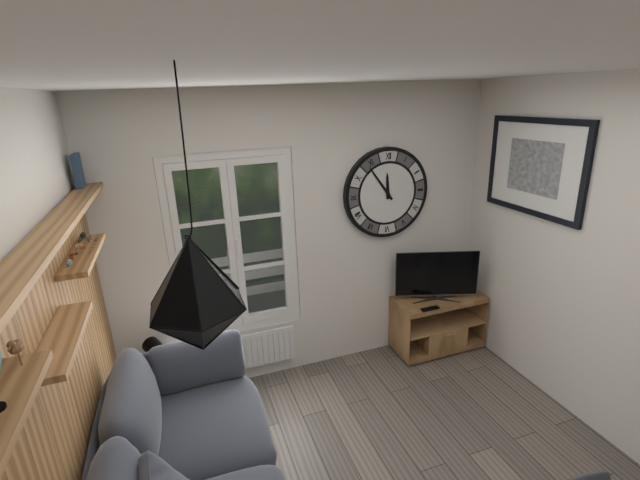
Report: 11 h 54 min
